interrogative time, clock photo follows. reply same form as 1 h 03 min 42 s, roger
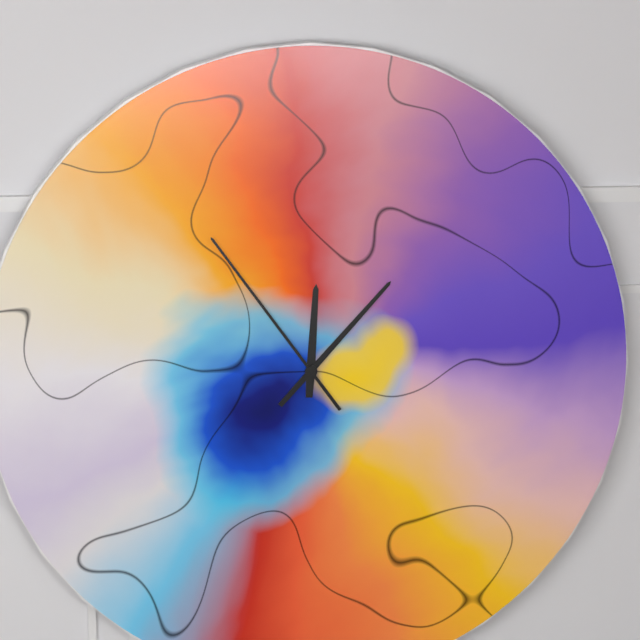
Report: 12 h 07 min 54 s
